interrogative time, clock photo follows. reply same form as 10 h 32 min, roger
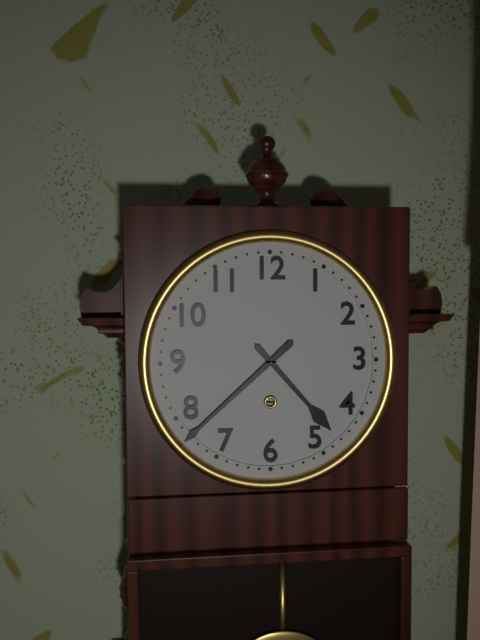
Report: 4 h 38 min
